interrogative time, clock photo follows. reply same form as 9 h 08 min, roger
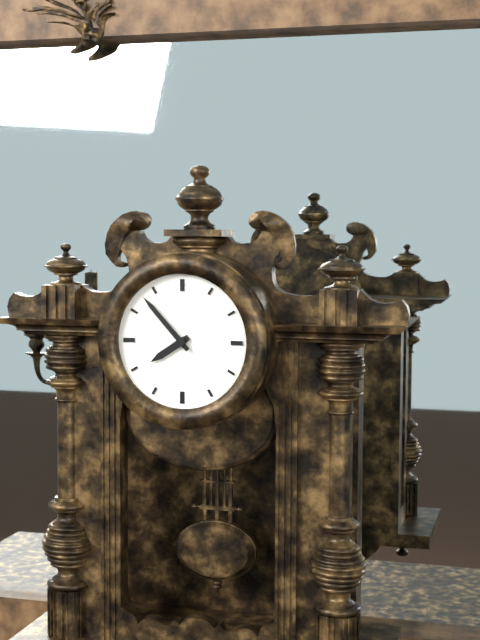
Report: 7 h 53 min
